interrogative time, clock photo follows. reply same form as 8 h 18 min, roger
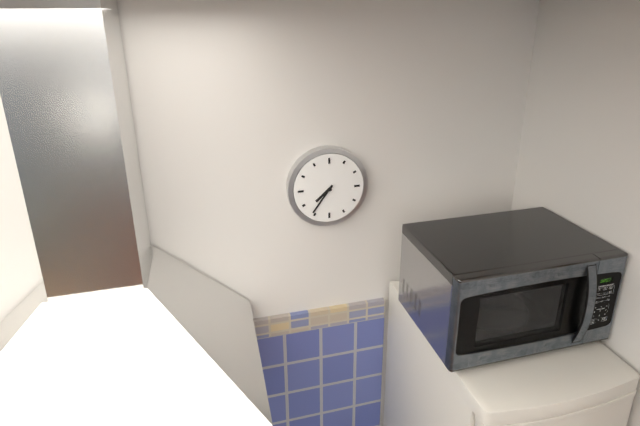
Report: 7 h 36 min
